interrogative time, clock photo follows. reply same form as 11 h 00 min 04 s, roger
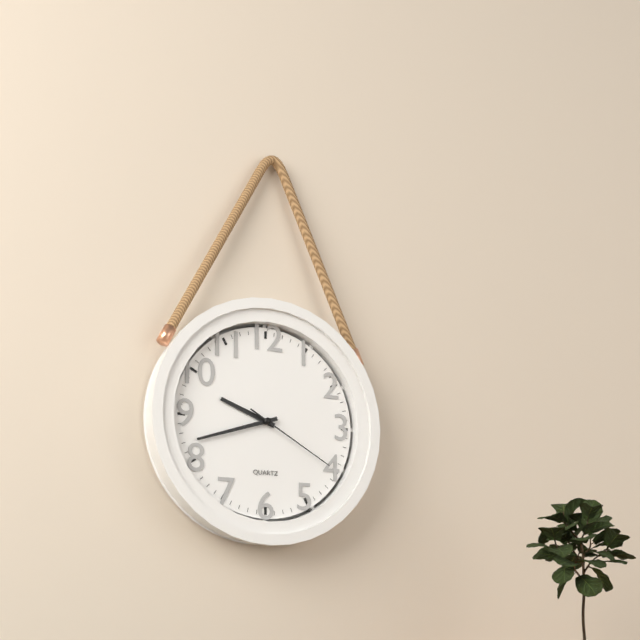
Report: 9 h 42 min 20 s
